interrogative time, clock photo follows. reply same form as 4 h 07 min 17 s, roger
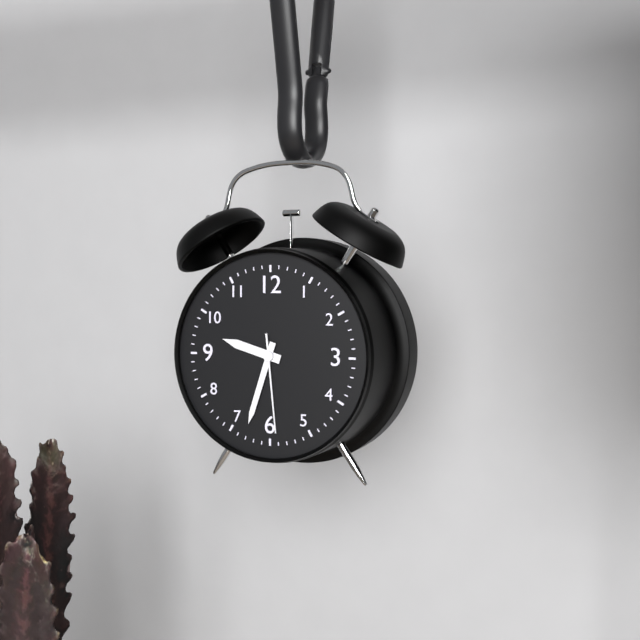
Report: 9 h 33 min 29 s
